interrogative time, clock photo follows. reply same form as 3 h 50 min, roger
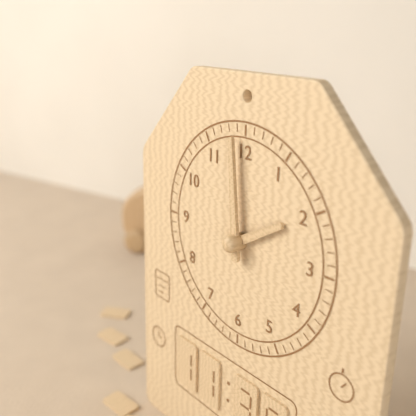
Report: 1 h 59 min
